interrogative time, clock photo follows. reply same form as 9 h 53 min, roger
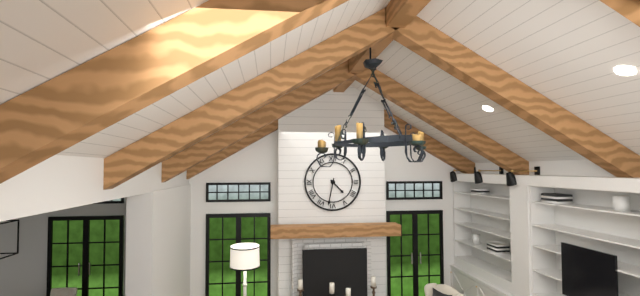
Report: 4 h 32 min
